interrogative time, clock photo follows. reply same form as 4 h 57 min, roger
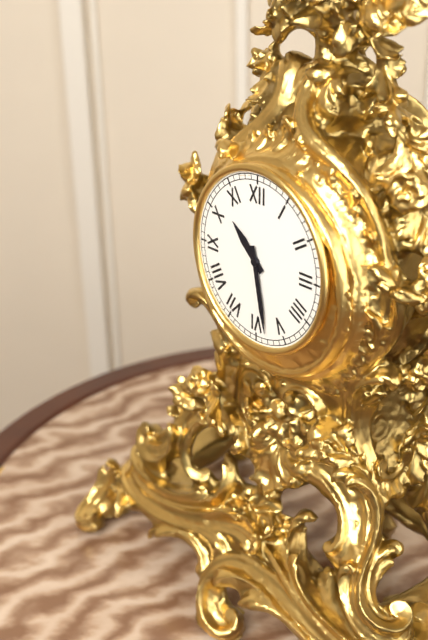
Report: 10 h 28 min
